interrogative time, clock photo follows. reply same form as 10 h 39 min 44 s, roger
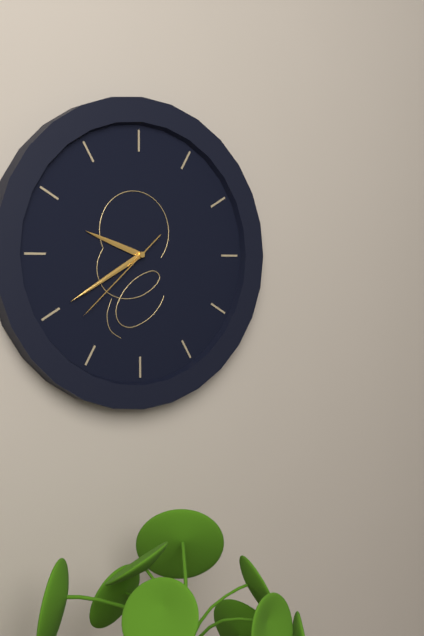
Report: 9 h 40 min 38 s
